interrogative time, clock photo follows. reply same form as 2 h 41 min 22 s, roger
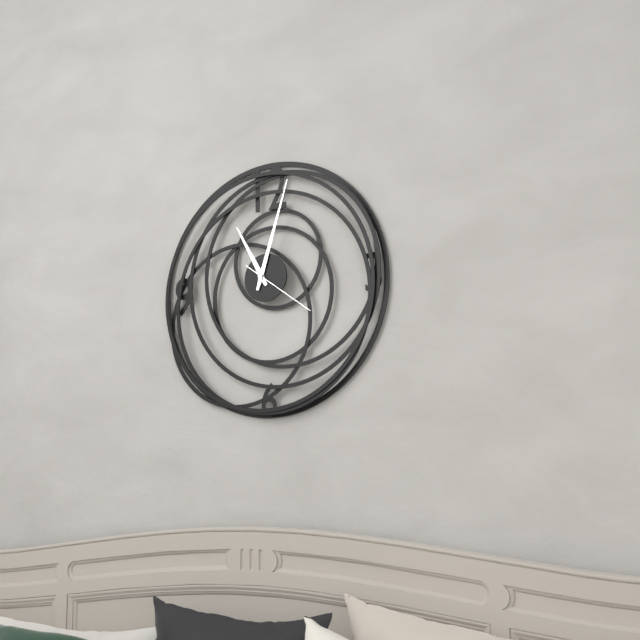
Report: 11 h 03 min 21 s
